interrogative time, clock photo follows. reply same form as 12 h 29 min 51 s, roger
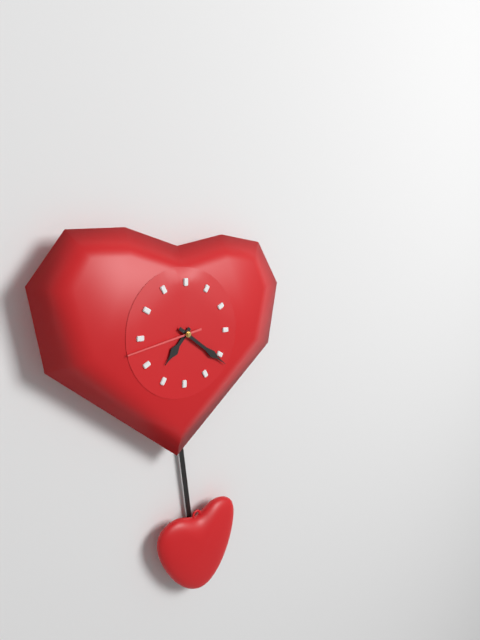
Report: 7 h 21 min 43 s
